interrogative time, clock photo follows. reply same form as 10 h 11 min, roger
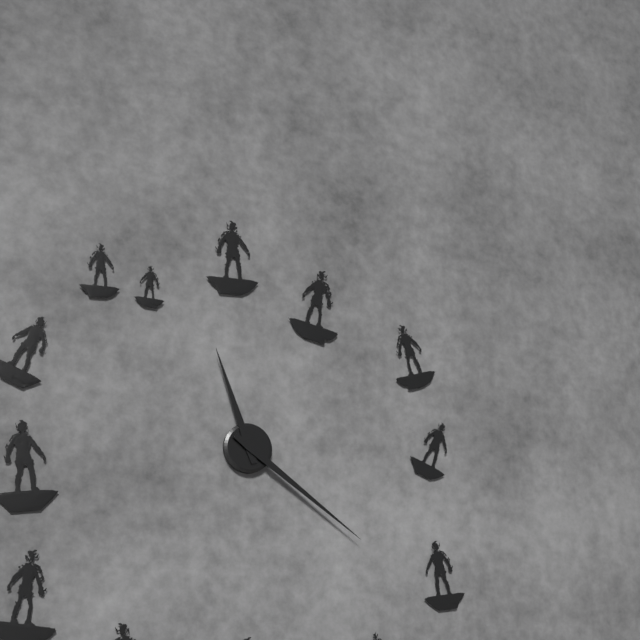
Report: 11 h 21 min
